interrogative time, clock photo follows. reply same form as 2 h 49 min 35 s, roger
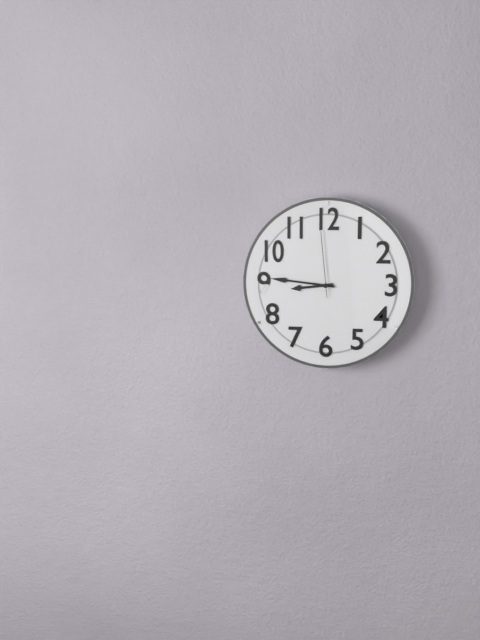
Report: 8 h 46 min 59 s
